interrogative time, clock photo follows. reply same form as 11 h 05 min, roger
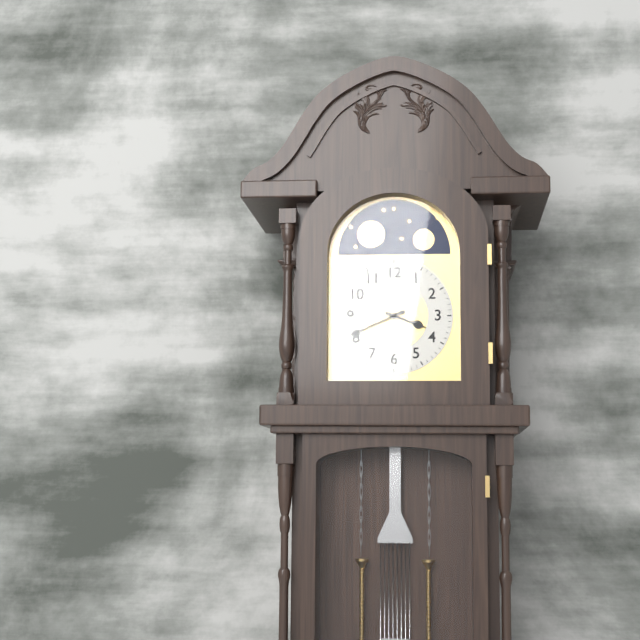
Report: 3 h 41 min
